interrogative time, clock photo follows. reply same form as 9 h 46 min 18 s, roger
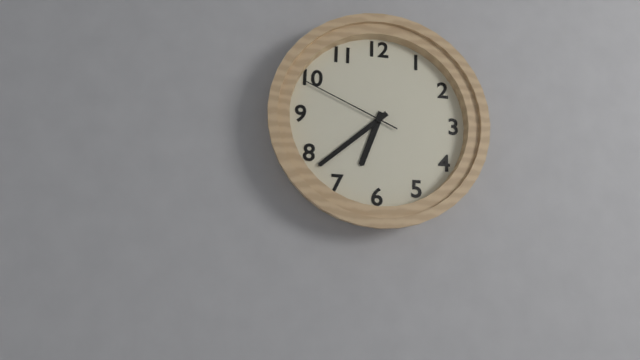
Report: 6 h 38 min 49 s
